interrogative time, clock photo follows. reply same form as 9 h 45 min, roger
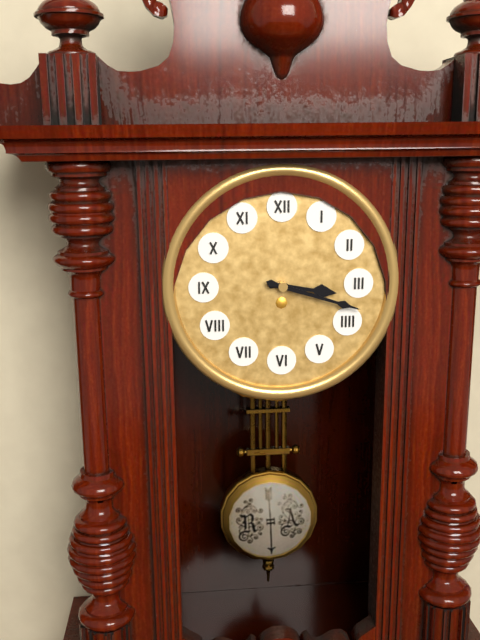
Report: 3 h 18 min
